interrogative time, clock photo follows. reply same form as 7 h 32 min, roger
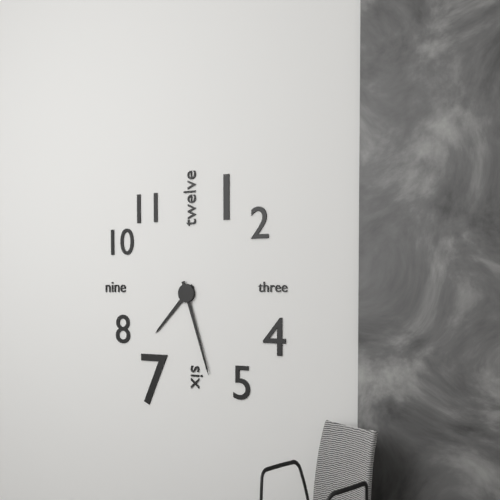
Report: 7 h 27 min
